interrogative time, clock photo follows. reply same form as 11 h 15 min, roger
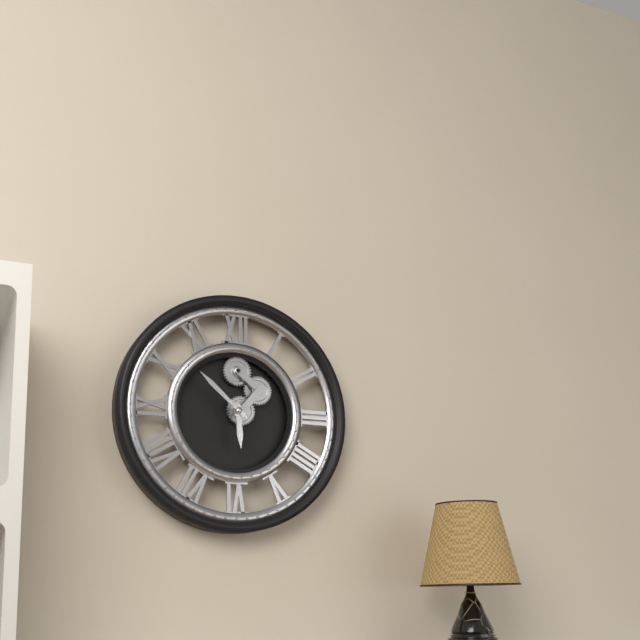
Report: 5 h 52 min
